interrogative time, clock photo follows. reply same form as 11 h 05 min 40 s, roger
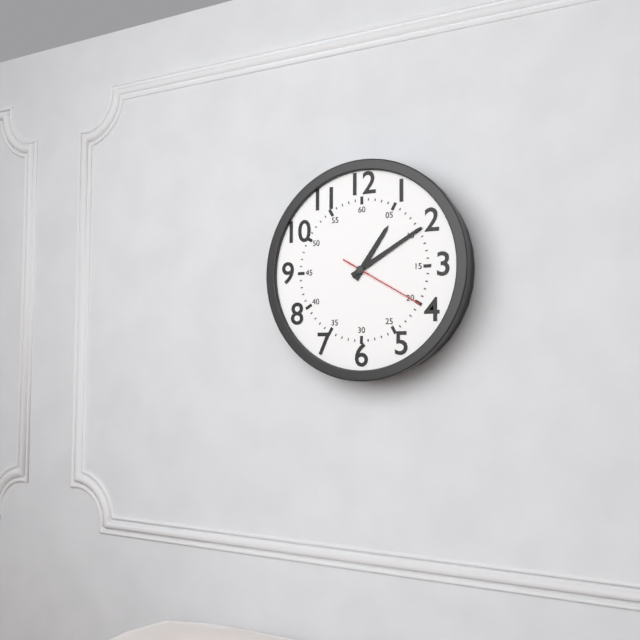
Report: 1 h 10 min 20 s
